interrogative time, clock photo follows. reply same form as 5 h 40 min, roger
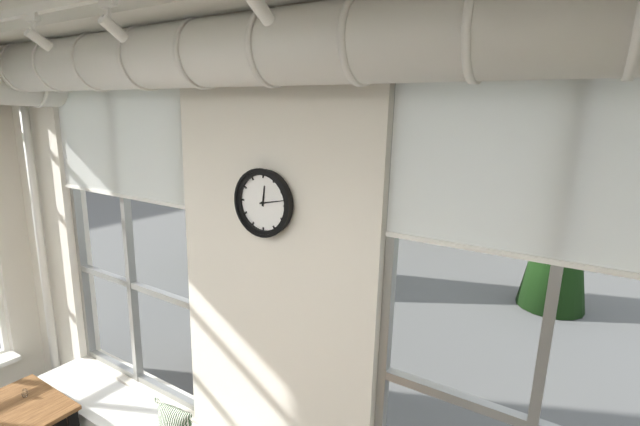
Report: 12 h 13 min
